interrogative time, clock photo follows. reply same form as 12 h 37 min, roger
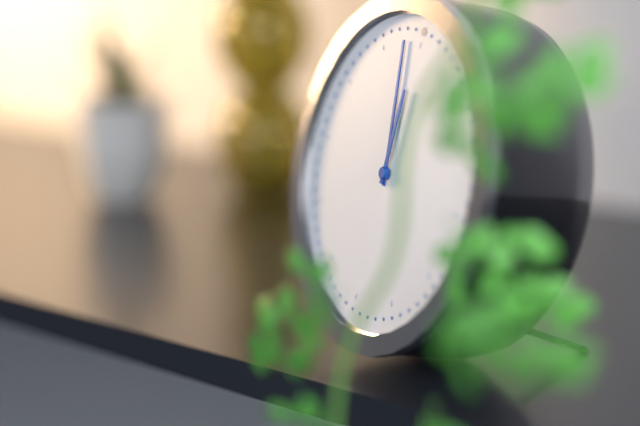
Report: 11 h 58 min
